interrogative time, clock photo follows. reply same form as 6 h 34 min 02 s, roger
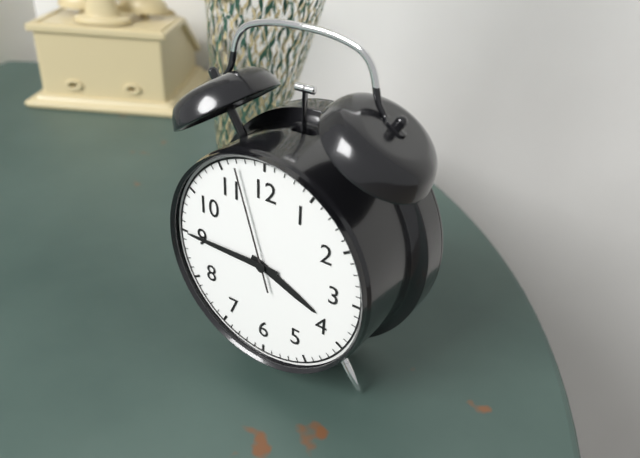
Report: 3 h 45 min 57 s
